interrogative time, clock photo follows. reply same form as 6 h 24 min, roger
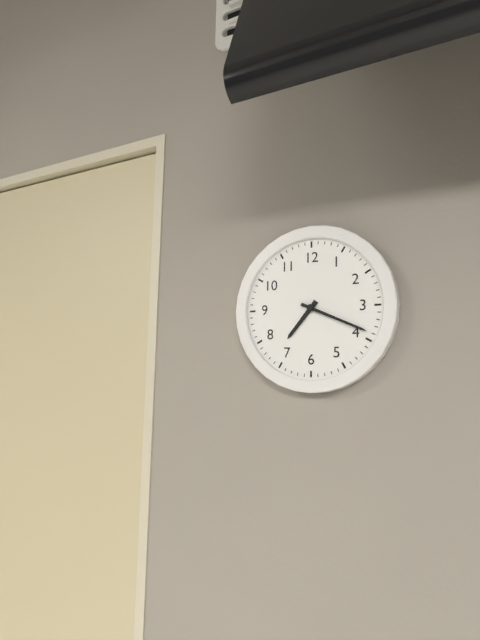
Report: 7 h 19 min
